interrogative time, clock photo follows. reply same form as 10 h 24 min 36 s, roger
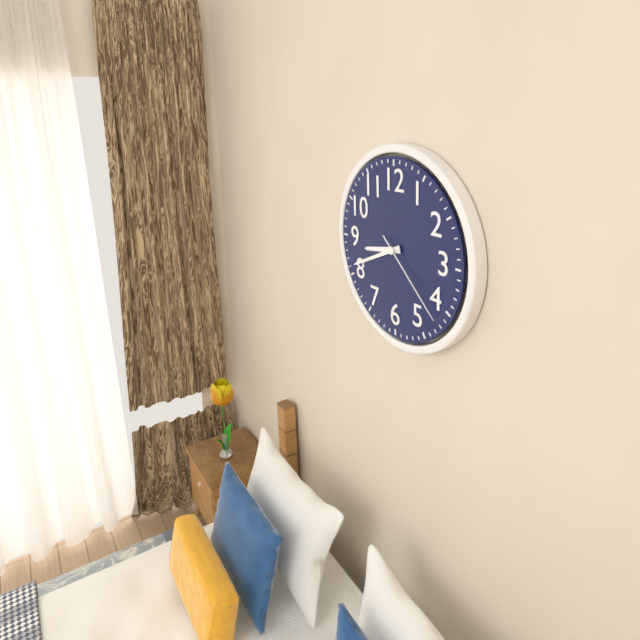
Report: 8 h 41 min 22 s
